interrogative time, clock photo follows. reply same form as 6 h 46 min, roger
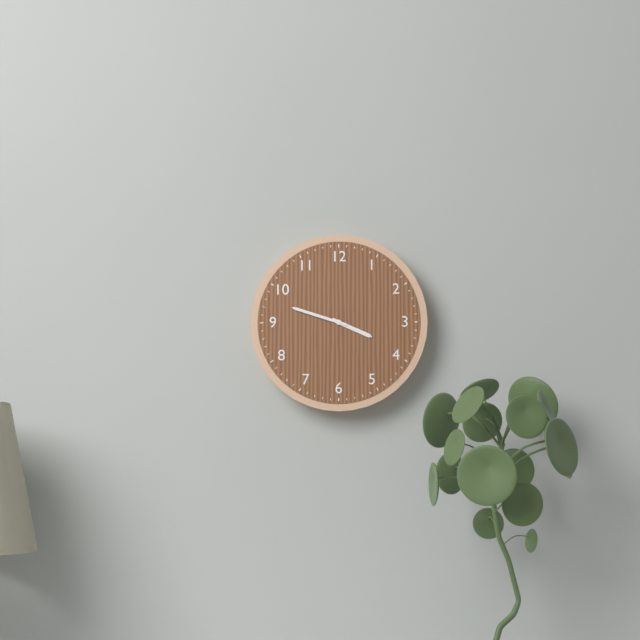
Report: 3 h 48 min
